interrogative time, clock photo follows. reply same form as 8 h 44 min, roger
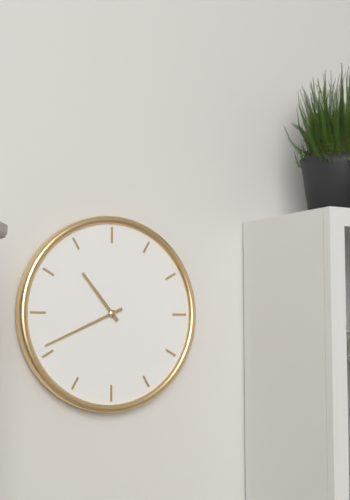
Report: 10 h 41 min
